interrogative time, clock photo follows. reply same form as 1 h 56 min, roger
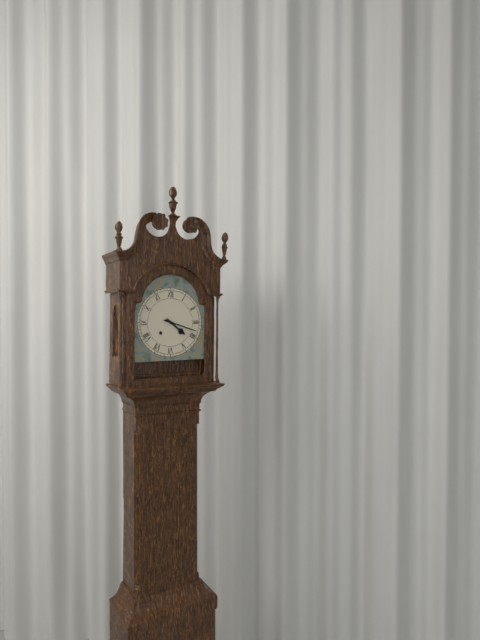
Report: 4 h 18 min
